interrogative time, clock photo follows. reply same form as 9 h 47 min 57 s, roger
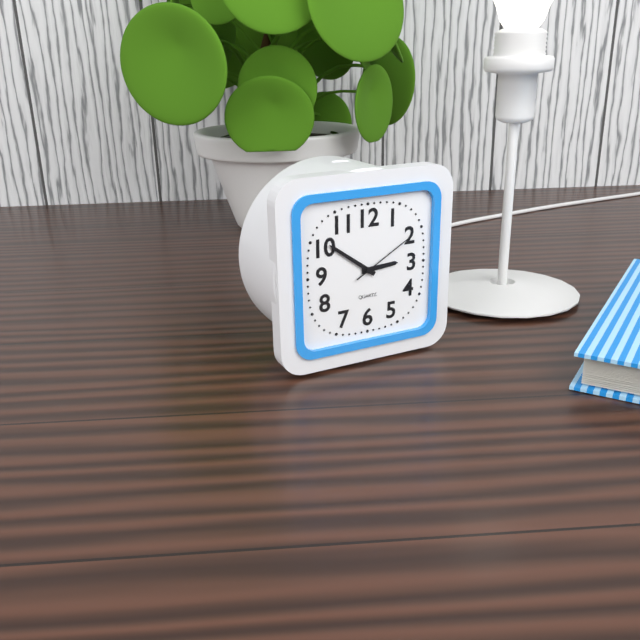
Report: 2 h 51 min 10 s
